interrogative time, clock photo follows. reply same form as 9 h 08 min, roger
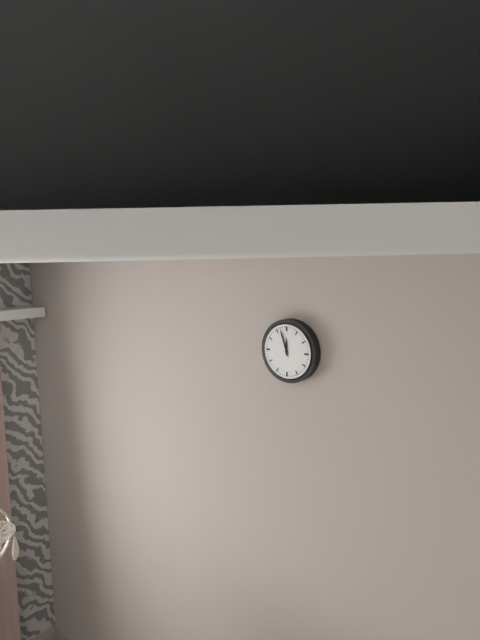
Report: 11 h 57 min
